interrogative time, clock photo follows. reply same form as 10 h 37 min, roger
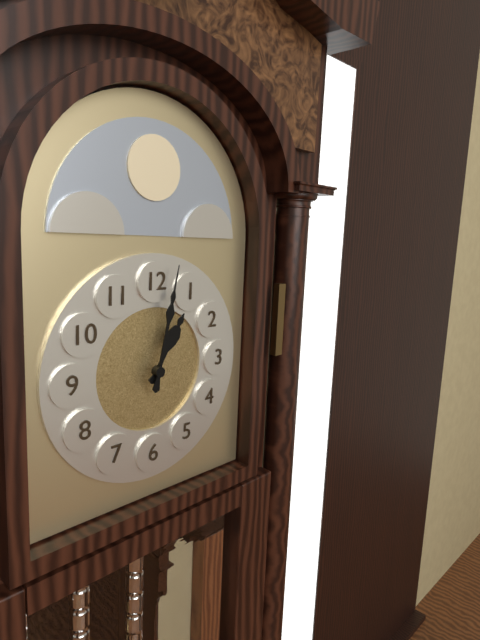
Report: 1 h 02 min
